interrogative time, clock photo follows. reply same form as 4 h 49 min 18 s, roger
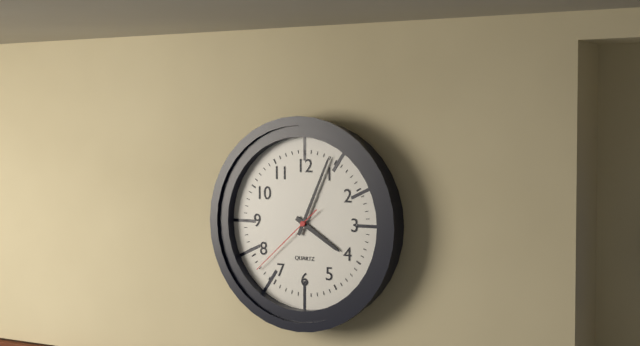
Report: 4 h 04 min 38 s
